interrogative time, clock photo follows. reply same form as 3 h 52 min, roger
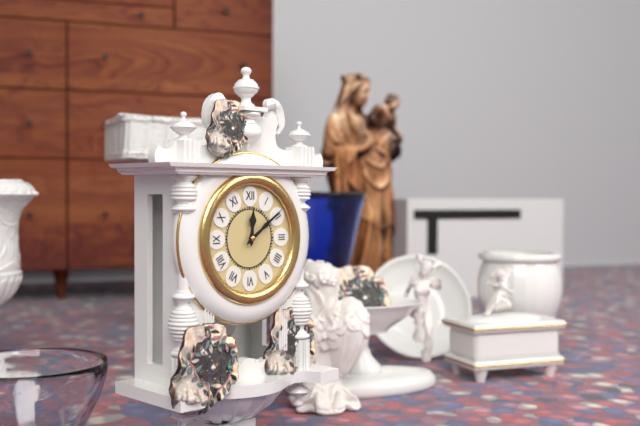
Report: 12 h 09 min
